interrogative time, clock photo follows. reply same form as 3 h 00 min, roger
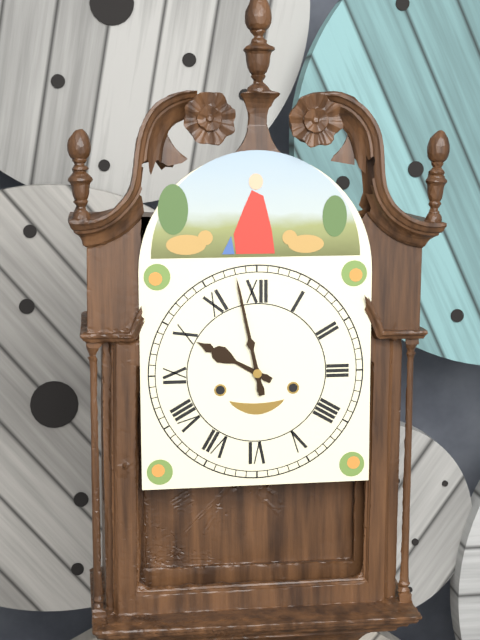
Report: 9 h 58 min
